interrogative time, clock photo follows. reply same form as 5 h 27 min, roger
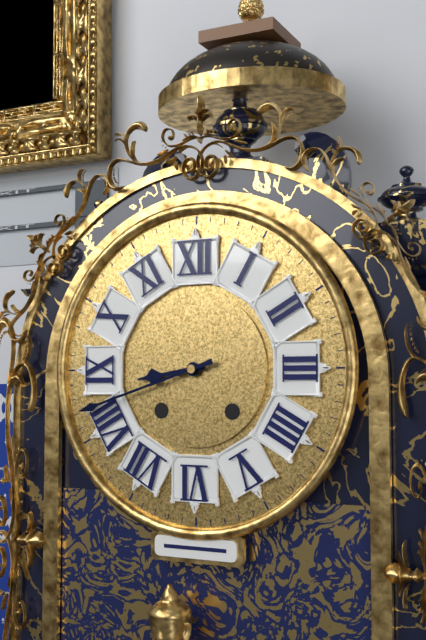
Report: 8 h 42 min
